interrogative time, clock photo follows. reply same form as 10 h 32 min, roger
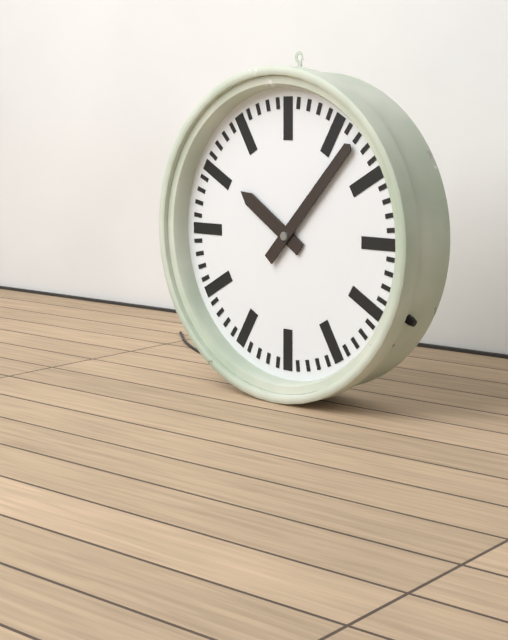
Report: 10 h 07 min
